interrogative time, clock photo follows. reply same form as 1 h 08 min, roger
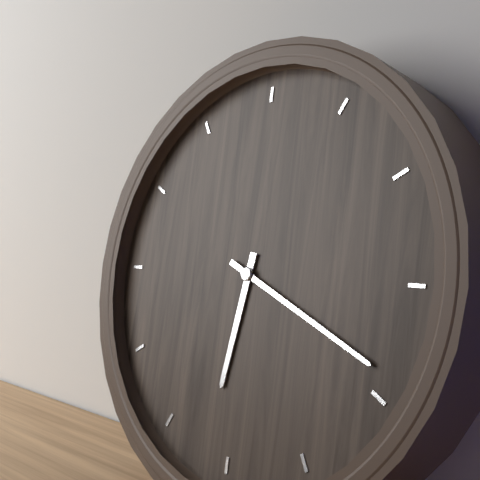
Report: 6 h 19 min
